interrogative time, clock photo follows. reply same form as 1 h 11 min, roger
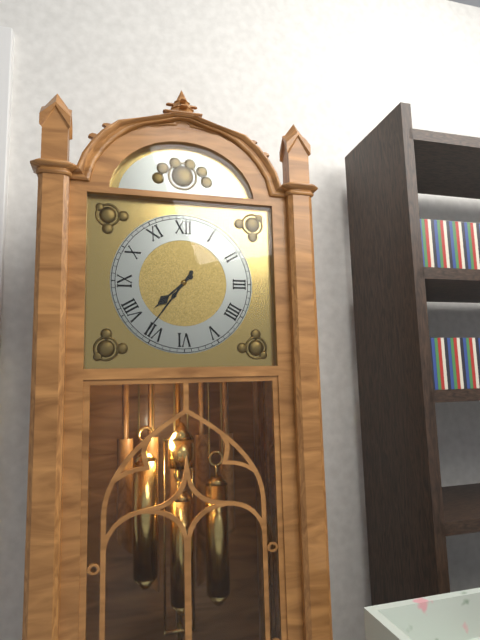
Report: 7 h 36 min
